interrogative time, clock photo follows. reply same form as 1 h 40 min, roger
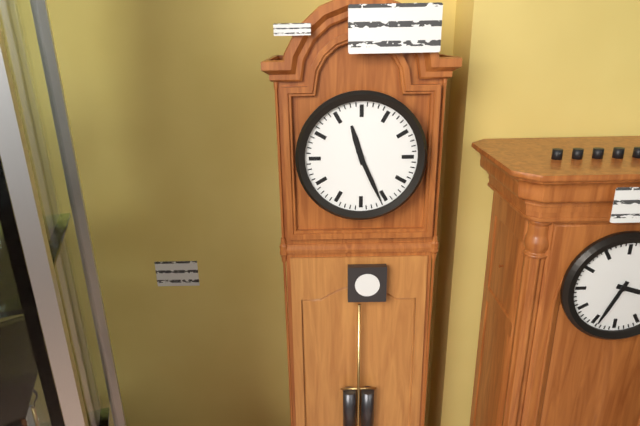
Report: 11 h 26 min
